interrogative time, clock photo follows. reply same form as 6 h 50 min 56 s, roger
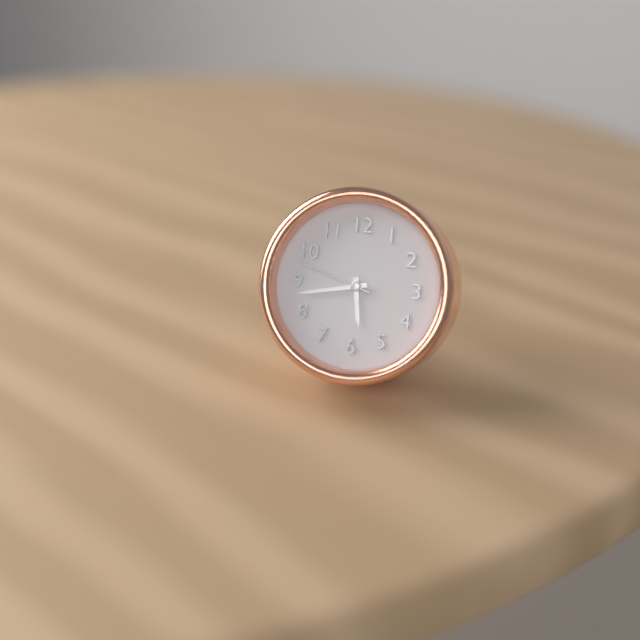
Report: 5 h 43 min 48 s
